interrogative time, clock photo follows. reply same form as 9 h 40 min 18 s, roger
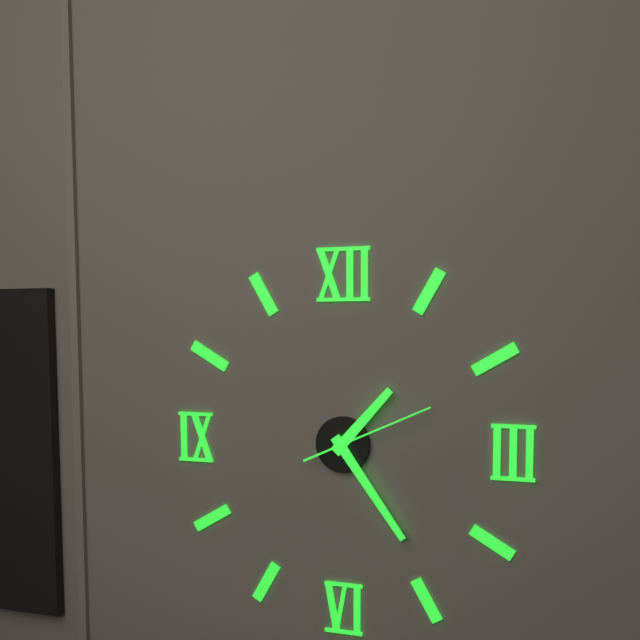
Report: 1 h 24 min 11 s
